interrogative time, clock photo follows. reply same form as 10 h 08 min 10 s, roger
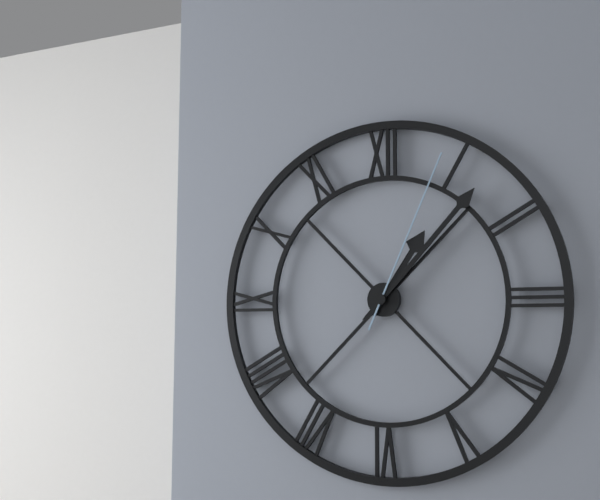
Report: 1 h 07 min 04 s
